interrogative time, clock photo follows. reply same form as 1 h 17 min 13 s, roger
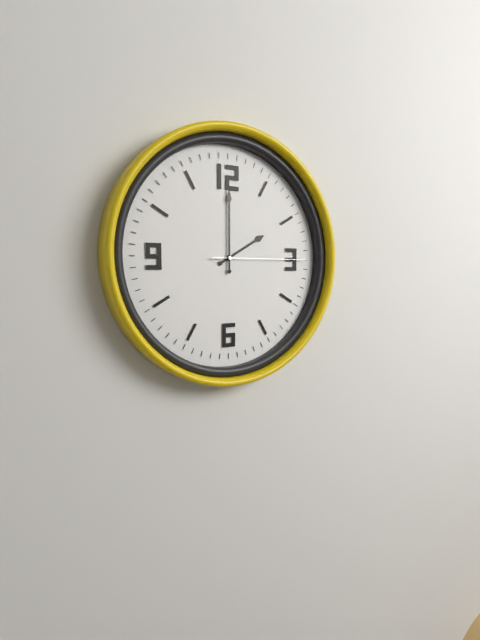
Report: 2 h 00 min 15 s
